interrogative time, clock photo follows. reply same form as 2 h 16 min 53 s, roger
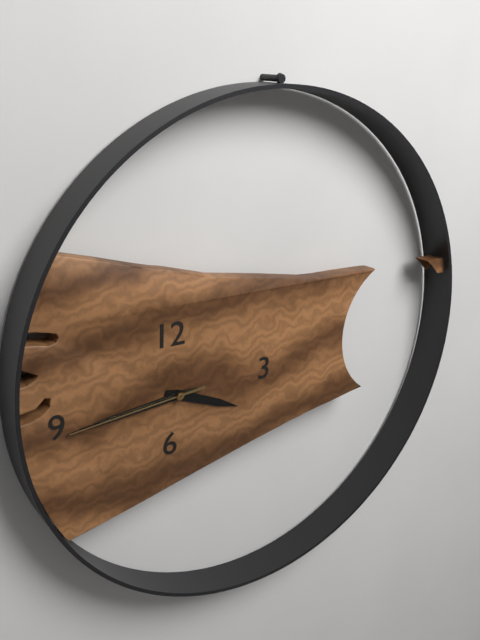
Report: 3 h 44 min 44 s
